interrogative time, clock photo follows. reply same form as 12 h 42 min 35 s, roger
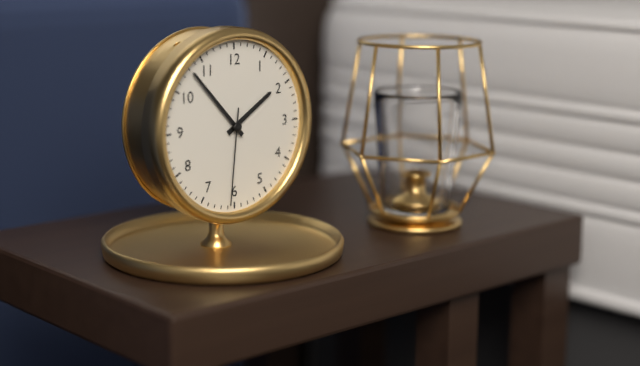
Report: 1 h 53 min 31 s
